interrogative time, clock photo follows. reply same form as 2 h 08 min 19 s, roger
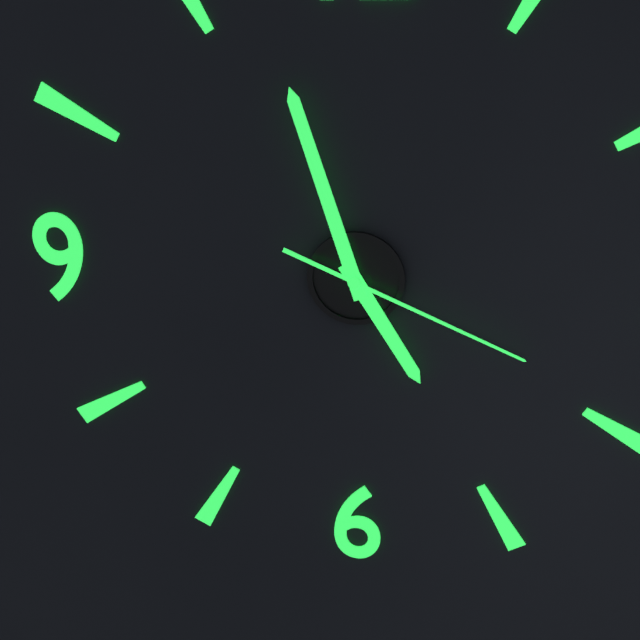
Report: 4 h 57 min 19 s
